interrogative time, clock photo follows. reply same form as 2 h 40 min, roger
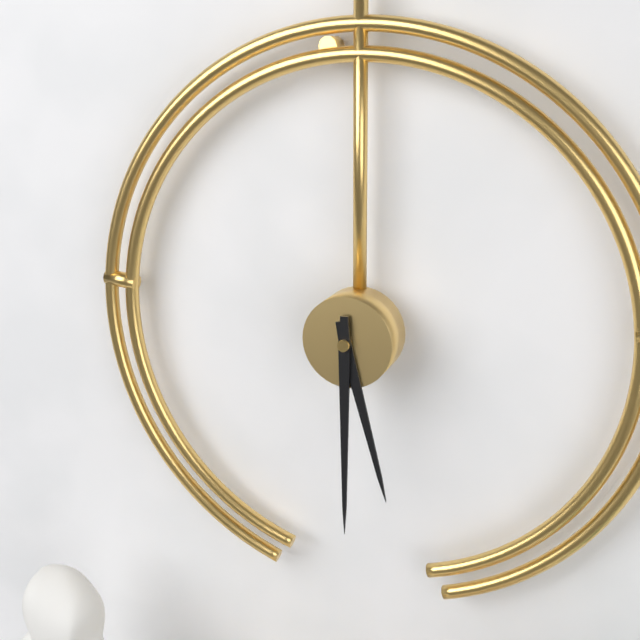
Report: 5 h 30 min
